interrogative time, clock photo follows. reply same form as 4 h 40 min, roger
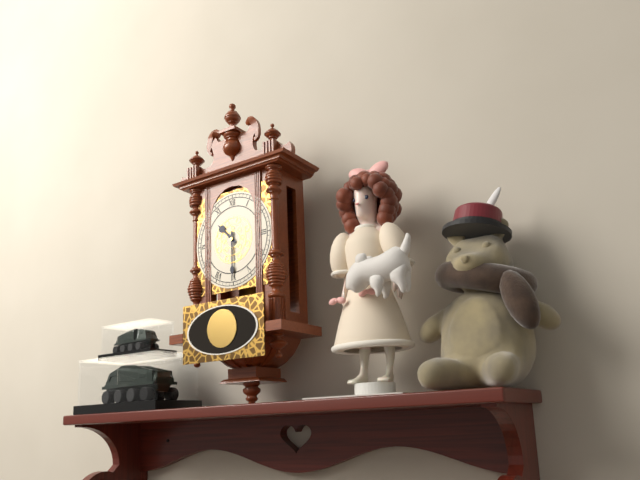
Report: 10 h 30 min
